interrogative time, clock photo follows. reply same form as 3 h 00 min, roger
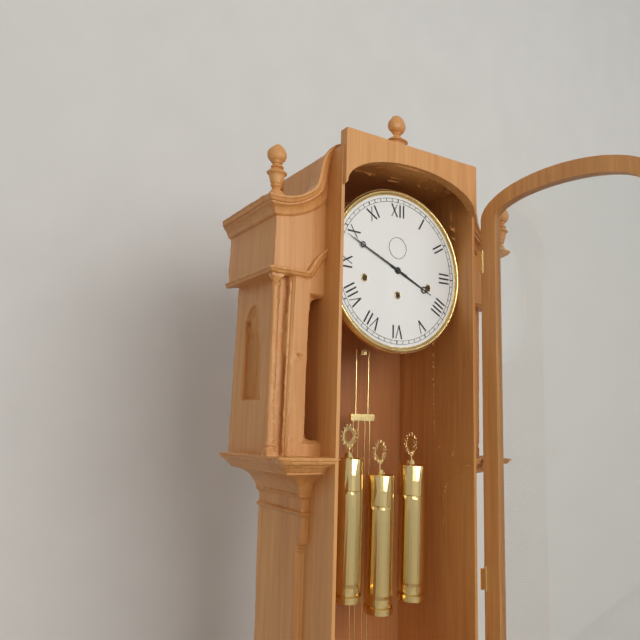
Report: 3 h 49 min
